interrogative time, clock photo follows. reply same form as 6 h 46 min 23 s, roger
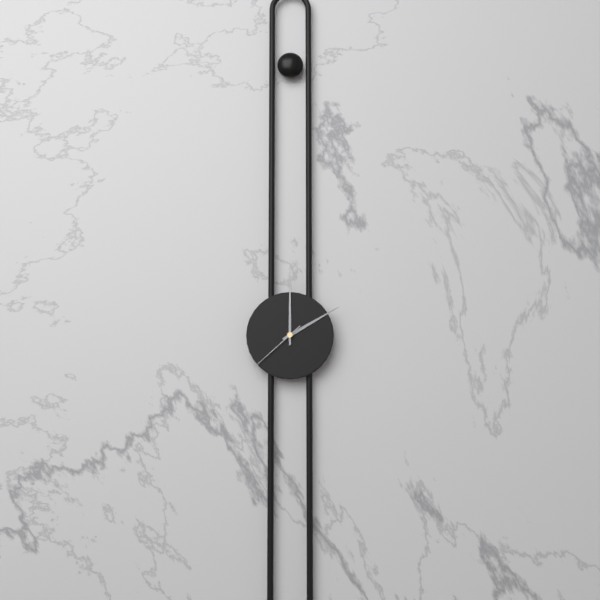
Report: 2 h 00 min 38 s
